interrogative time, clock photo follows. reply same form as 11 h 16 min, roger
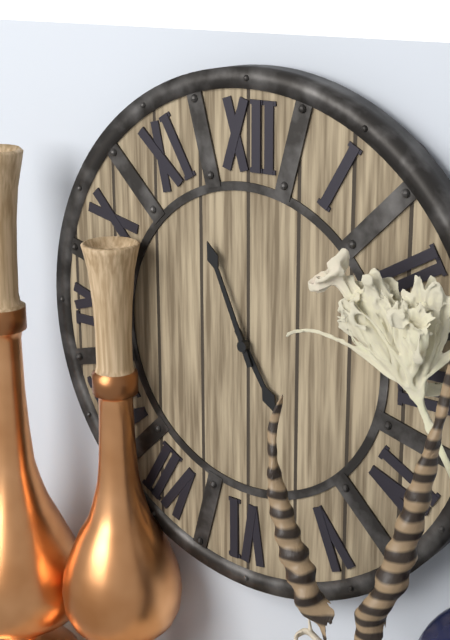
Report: 4 h 56 min
